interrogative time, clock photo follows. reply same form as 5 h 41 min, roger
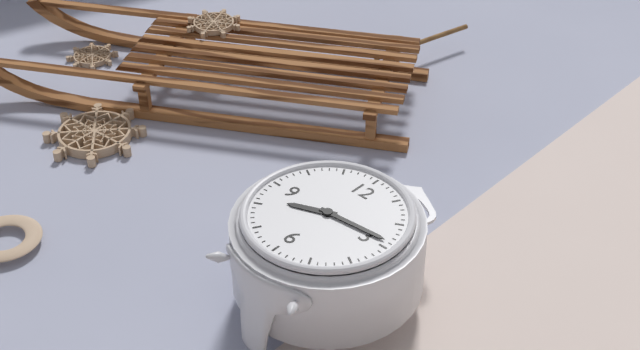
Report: 8 h 14 min
